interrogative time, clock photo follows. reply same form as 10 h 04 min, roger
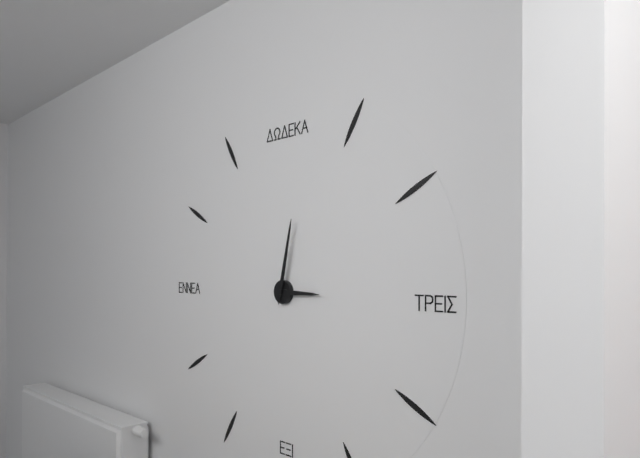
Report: 3 h 02 min
